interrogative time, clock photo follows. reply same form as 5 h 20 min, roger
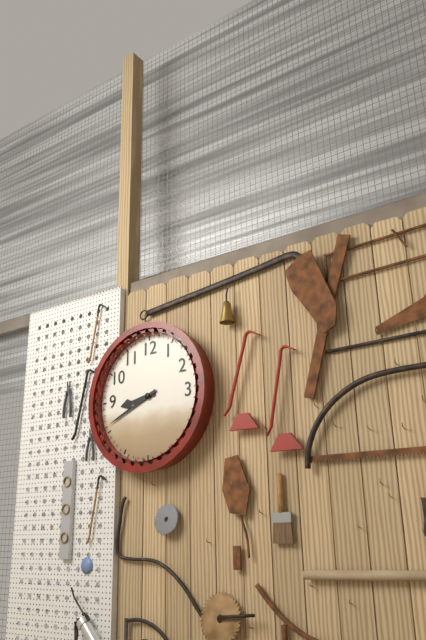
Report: 8 h 41 min
